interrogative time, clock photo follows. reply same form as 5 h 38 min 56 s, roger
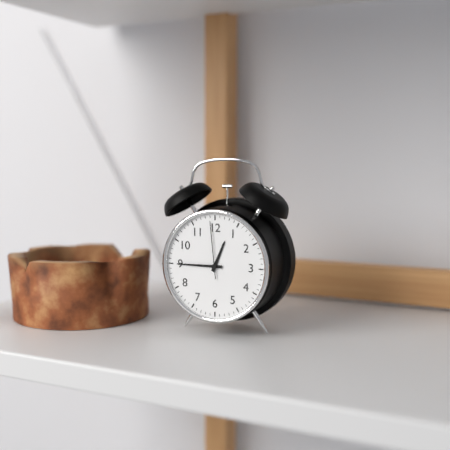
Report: 12 h 45 min 59 s
